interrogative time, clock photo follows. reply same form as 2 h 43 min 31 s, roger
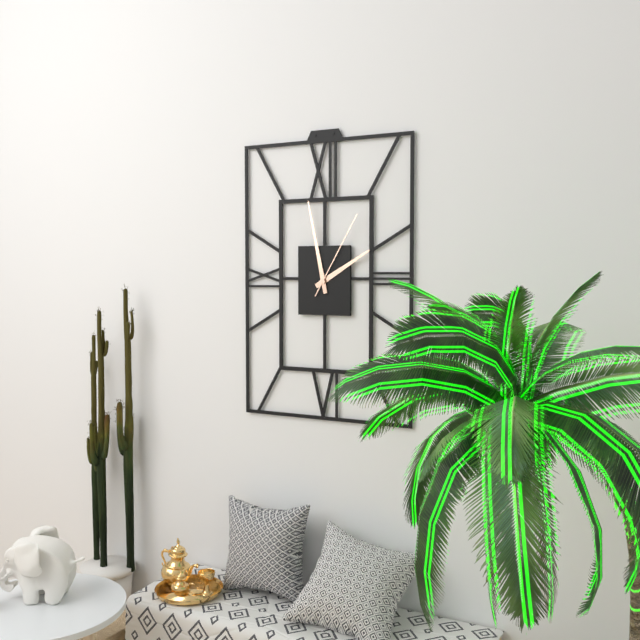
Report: 1 h 58 min 05 s
